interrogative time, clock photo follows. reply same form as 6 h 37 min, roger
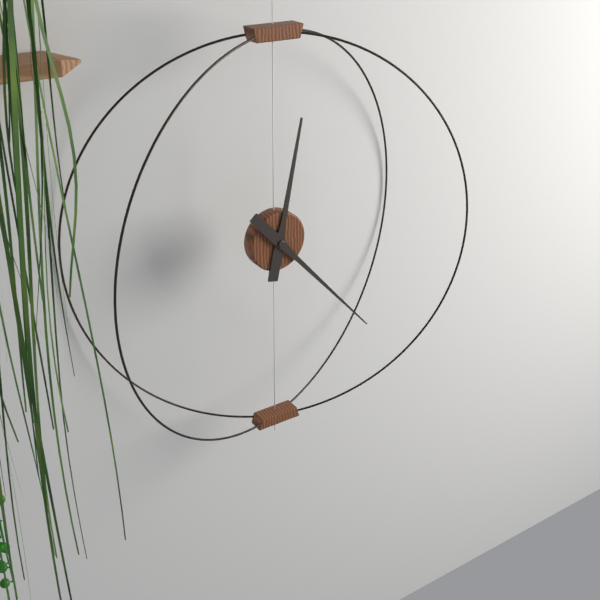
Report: 12 h 23 min
